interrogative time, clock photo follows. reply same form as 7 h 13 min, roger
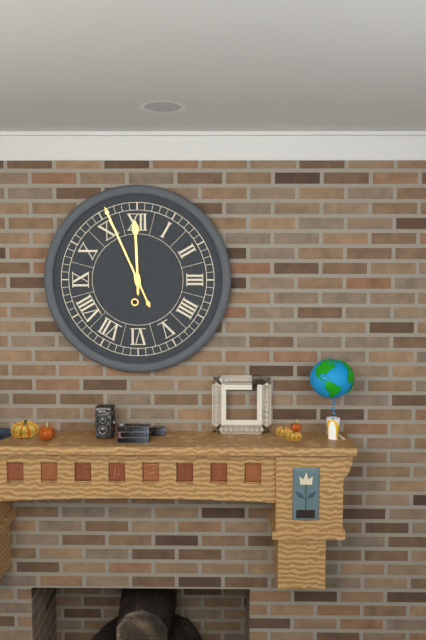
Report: 11 h 56 min
